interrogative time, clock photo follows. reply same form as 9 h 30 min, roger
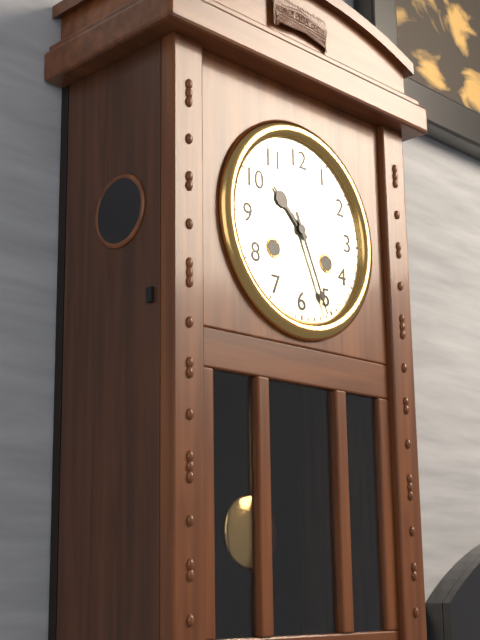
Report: 10 h 26 min
